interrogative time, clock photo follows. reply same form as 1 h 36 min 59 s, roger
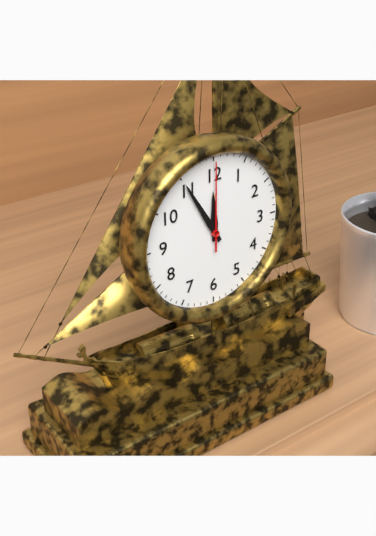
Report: 11 h 55 min 00 s
